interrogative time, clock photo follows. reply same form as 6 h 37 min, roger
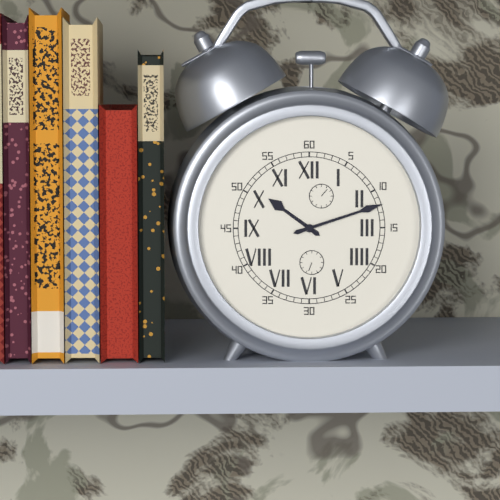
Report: 10 h 12 min
